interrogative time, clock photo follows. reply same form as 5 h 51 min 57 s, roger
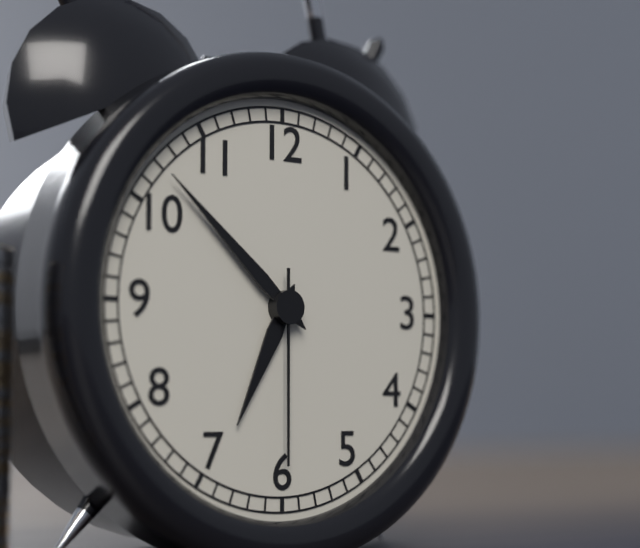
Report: 6 h 52 min 30 s
